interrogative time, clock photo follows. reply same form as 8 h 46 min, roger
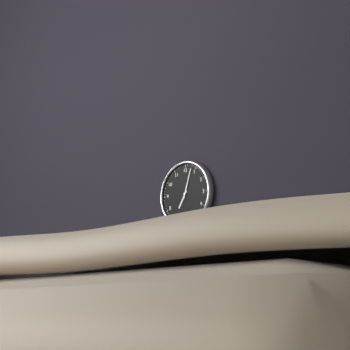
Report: 7 h 03 min
